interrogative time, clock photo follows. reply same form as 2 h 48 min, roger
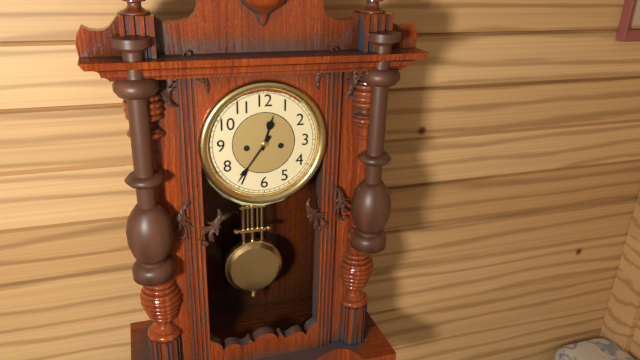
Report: 12 h 36 min
